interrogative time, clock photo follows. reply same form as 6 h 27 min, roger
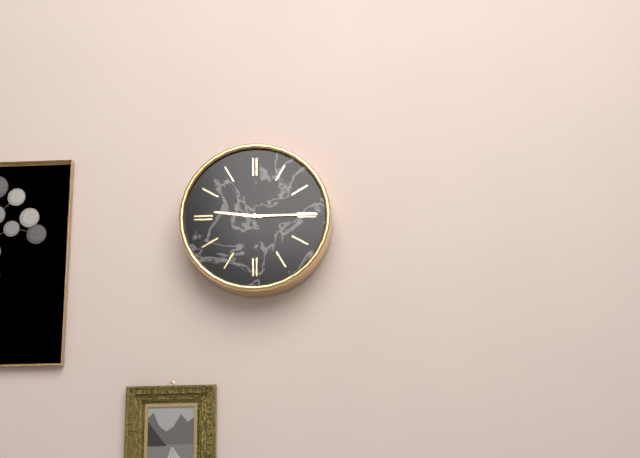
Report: 9 h 15 min
